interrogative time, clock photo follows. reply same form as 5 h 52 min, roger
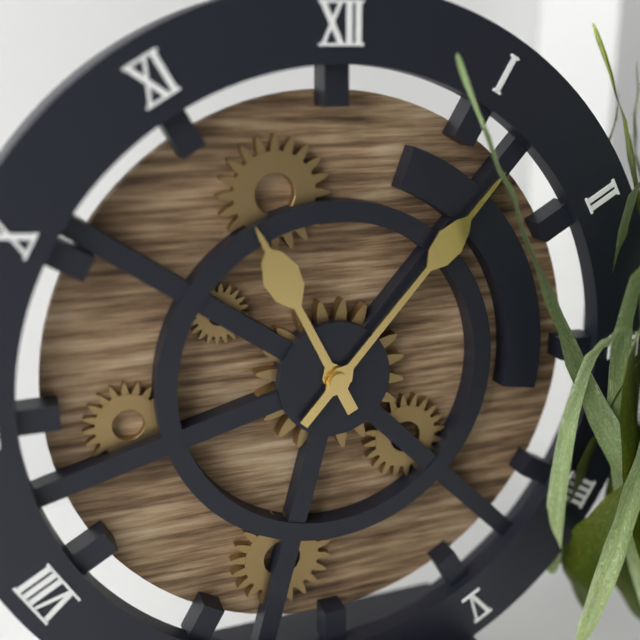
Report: 11 h 07 min
